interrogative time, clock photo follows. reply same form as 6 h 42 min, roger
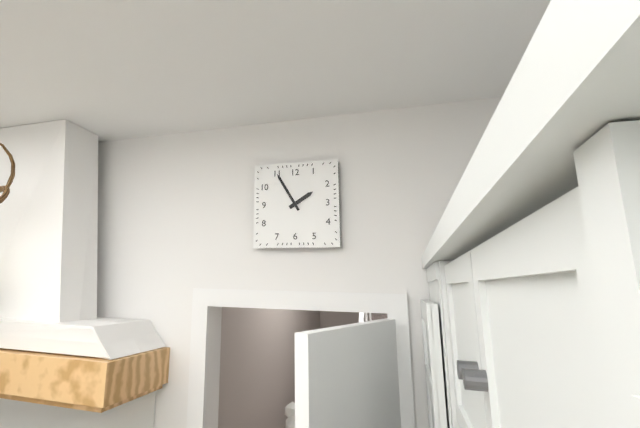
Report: 1 h 55 min
